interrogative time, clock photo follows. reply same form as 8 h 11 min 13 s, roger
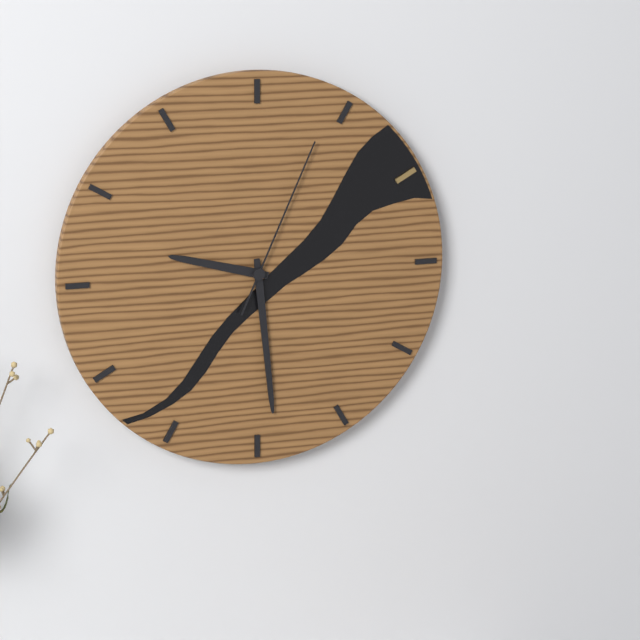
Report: 9 h 29 min 04 s
